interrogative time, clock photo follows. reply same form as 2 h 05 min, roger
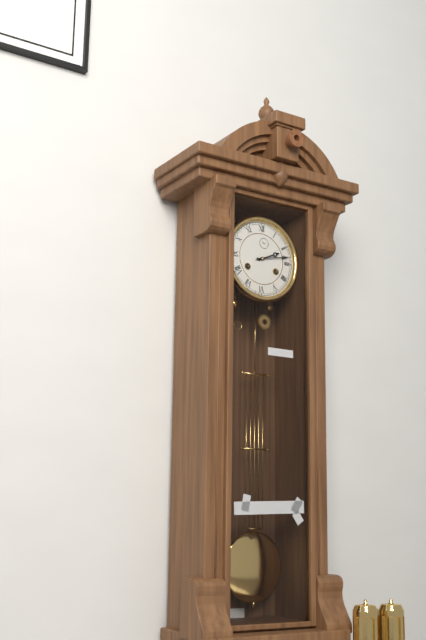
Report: 2 h 13 min
